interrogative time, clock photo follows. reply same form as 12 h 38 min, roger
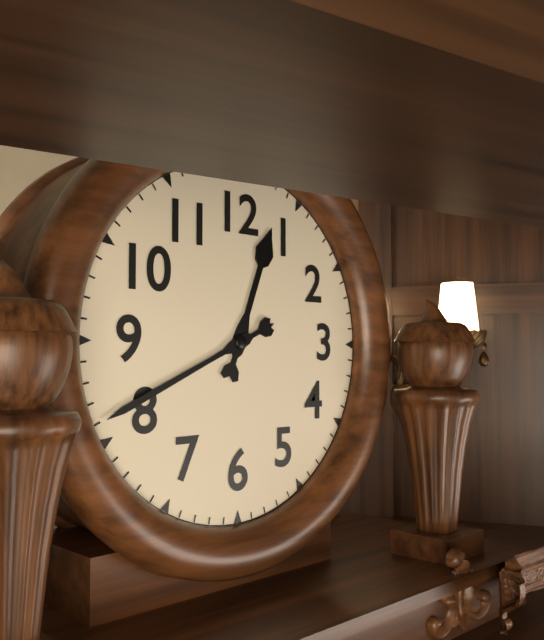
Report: 12 h 41 min
